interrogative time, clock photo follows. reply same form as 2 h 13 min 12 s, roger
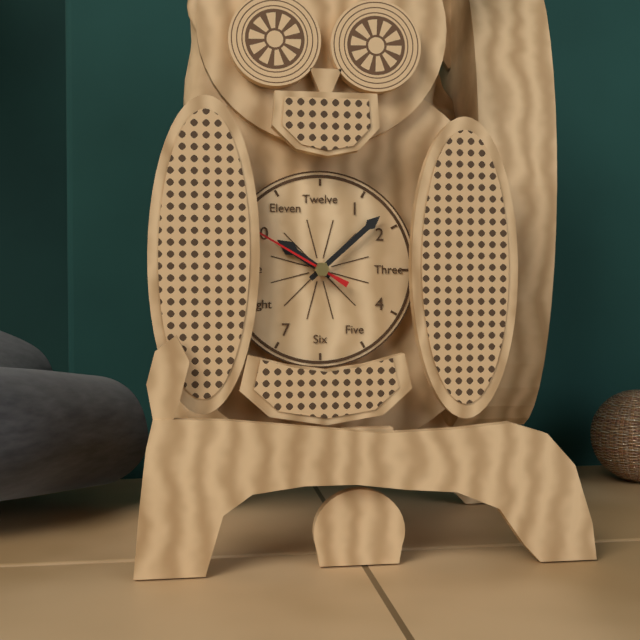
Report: 10 h 08 min 50 s
